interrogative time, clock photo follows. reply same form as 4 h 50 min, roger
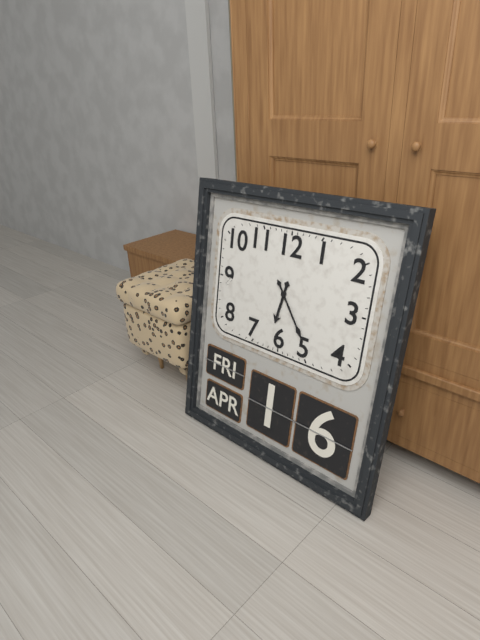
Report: 6 h 24 min
